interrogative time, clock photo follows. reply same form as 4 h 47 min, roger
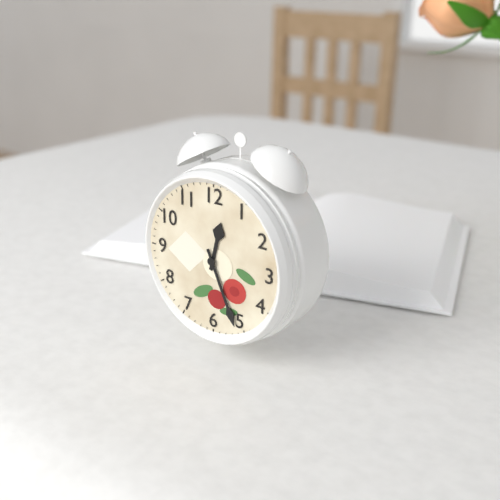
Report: 12 h 26 min
